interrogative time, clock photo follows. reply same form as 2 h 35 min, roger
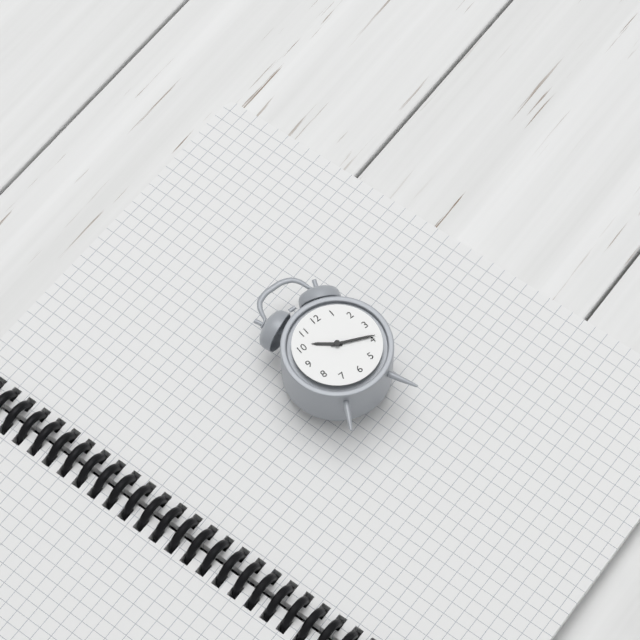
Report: 10 h 19 min
